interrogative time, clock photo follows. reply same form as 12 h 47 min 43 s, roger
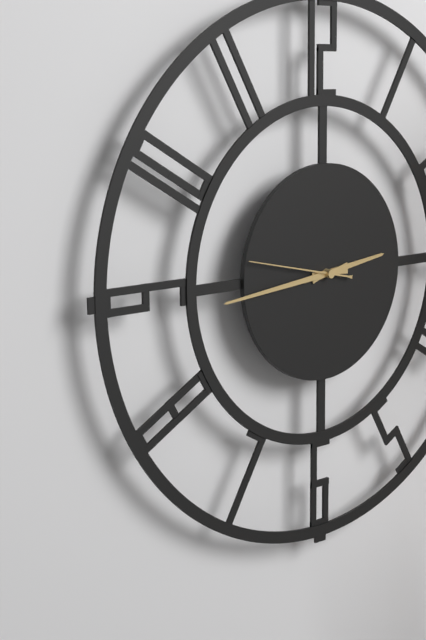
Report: 2 h 44 min 47 s
